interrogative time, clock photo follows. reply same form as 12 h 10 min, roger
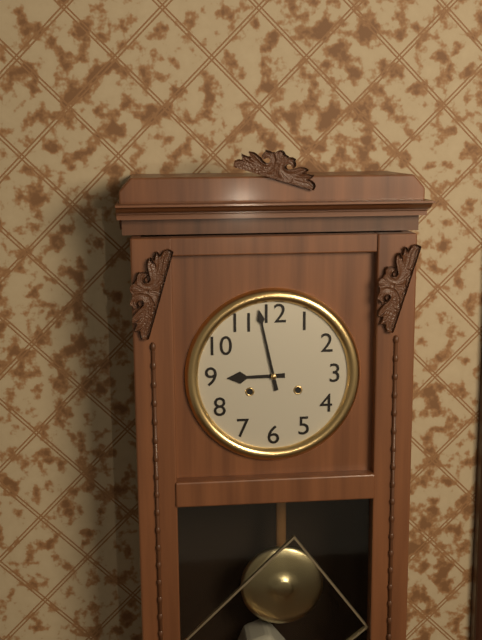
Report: 8 h 58 min
